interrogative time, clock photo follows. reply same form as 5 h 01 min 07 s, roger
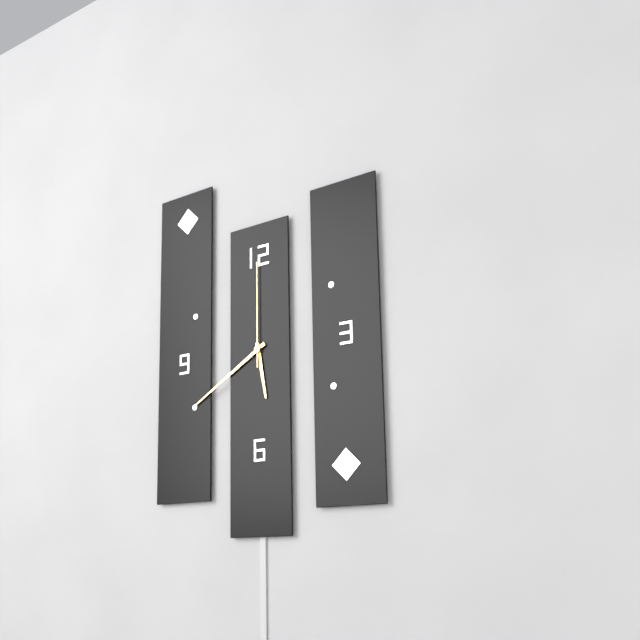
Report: 5 h 40 min 00 s
